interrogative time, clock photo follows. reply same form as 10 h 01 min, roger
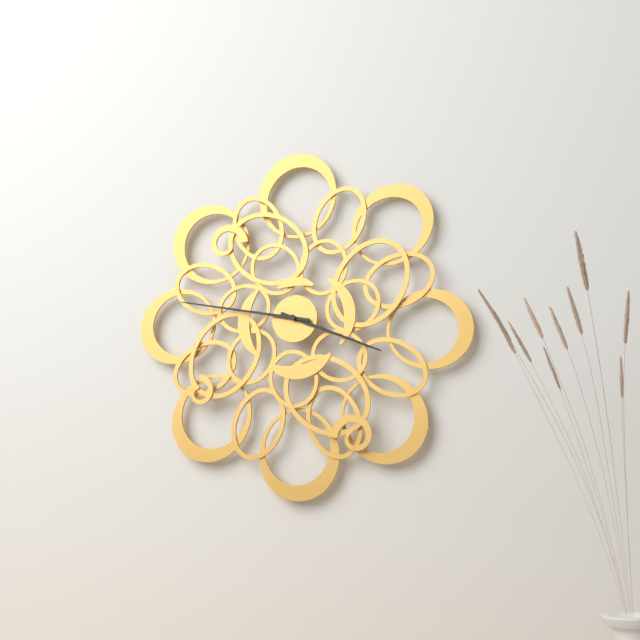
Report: 3 h 47 min
